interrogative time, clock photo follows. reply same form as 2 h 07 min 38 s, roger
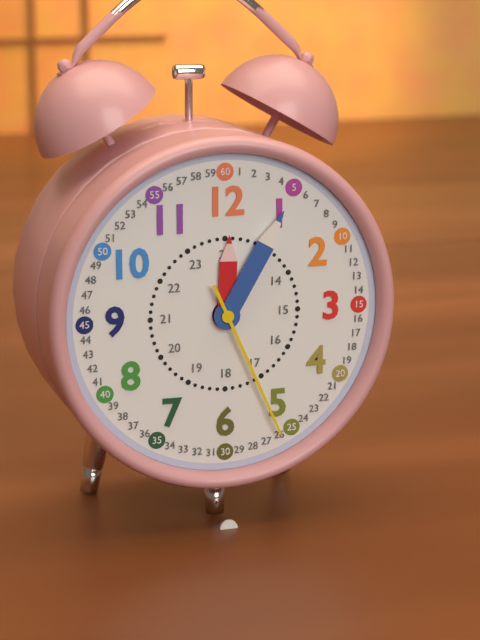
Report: 12 h 05 min 26 s
